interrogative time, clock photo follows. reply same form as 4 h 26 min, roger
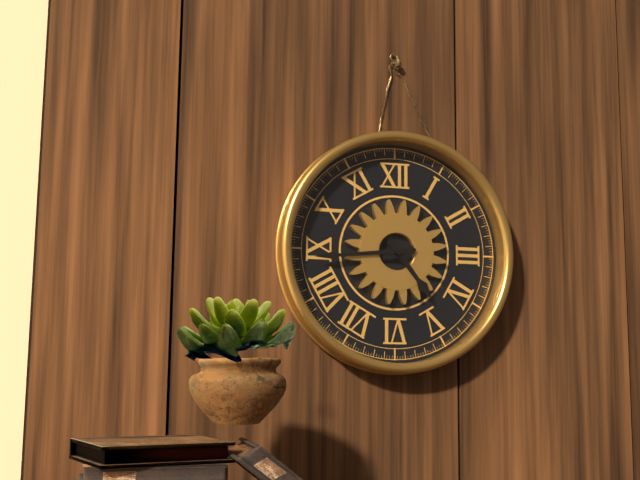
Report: 4 h 44 min
